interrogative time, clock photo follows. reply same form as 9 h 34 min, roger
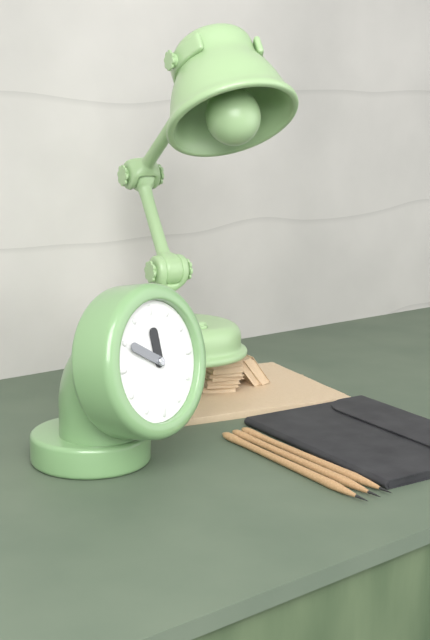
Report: 11 h 50 min
